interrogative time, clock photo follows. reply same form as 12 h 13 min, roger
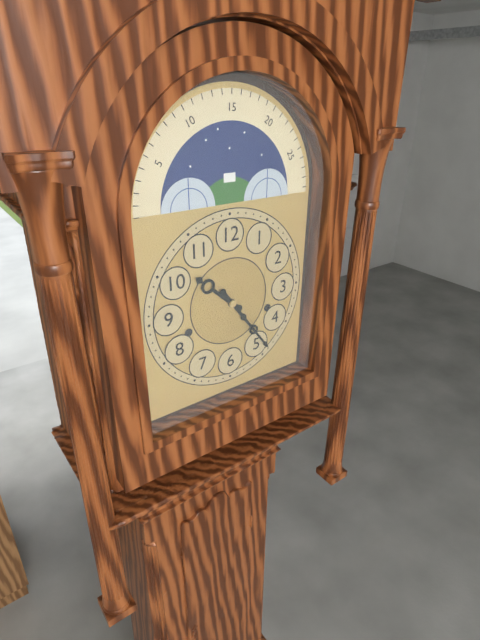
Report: 10 h 24 min
